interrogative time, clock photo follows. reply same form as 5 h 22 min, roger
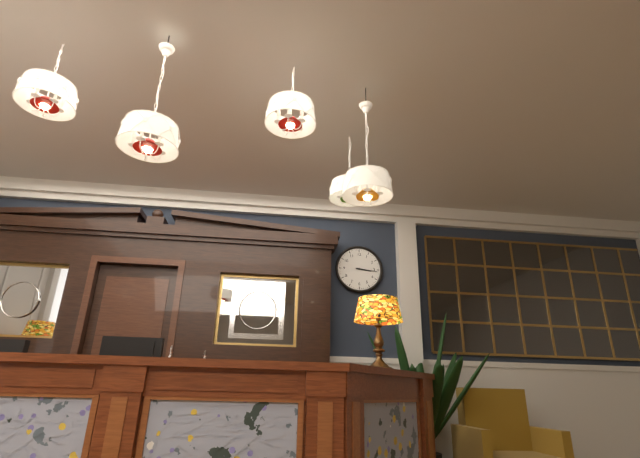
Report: 3 h 16 min
